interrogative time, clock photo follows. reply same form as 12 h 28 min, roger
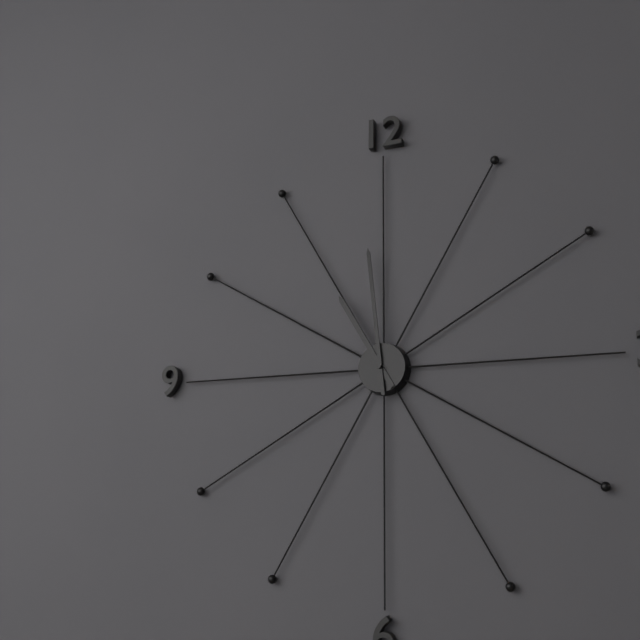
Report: 10 h 59 min
